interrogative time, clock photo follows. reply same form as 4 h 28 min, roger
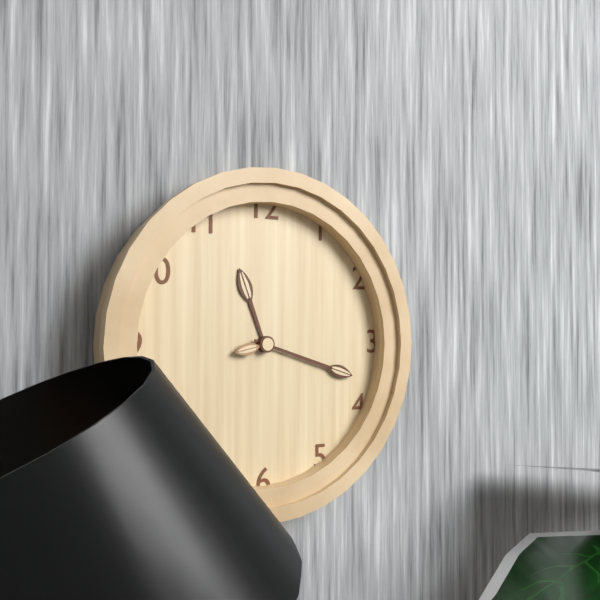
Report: 11 h 18 min
